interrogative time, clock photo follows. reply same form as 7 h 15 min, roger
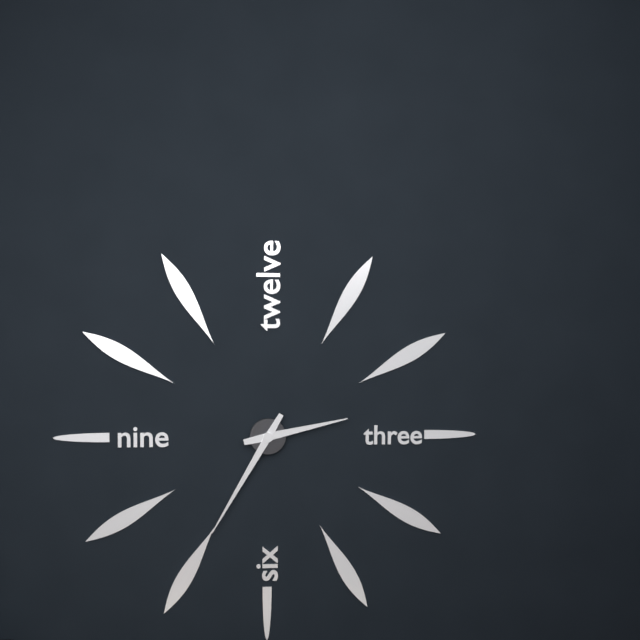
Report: 2 h 35 min
